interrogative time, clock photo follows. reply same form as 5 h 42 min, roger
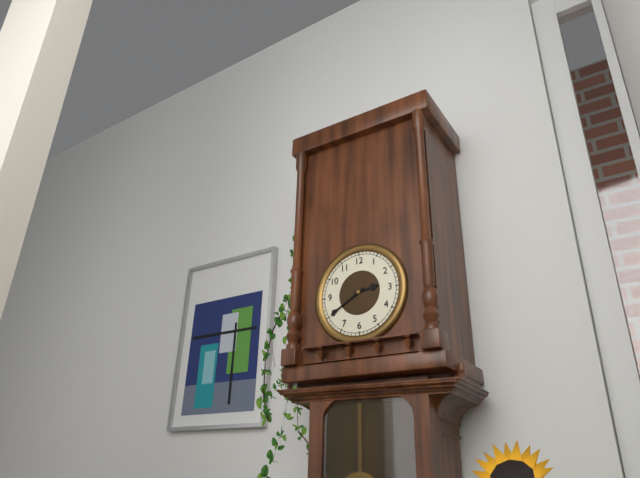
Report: 2 h 40 min
